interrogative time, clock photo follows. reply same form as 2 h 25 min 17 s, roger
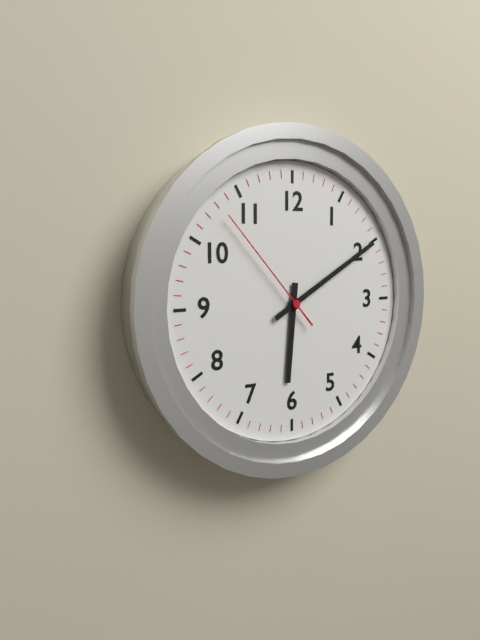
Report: 6 h 10 min 53 s
